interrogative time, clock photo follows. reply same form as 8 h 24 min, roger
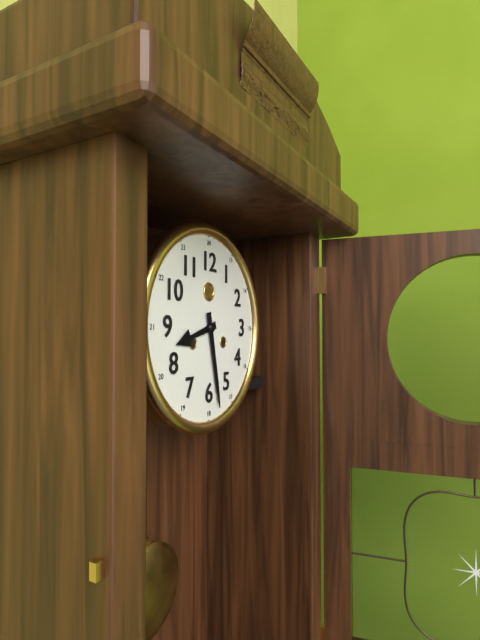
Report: 8 h 28 min
